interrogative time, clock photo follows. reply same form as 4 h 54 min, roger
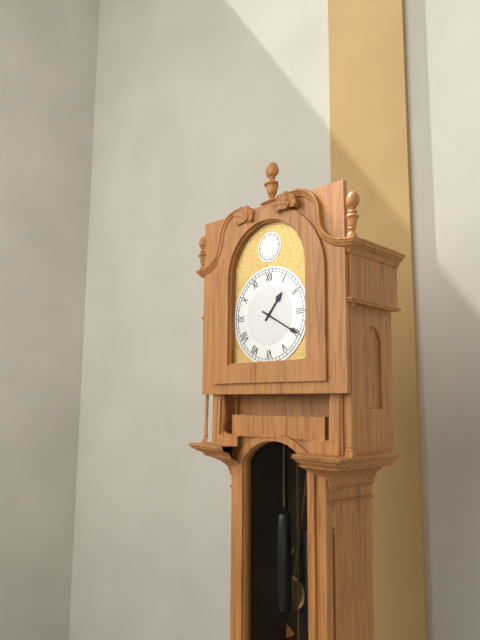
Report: 1 h 20 min
